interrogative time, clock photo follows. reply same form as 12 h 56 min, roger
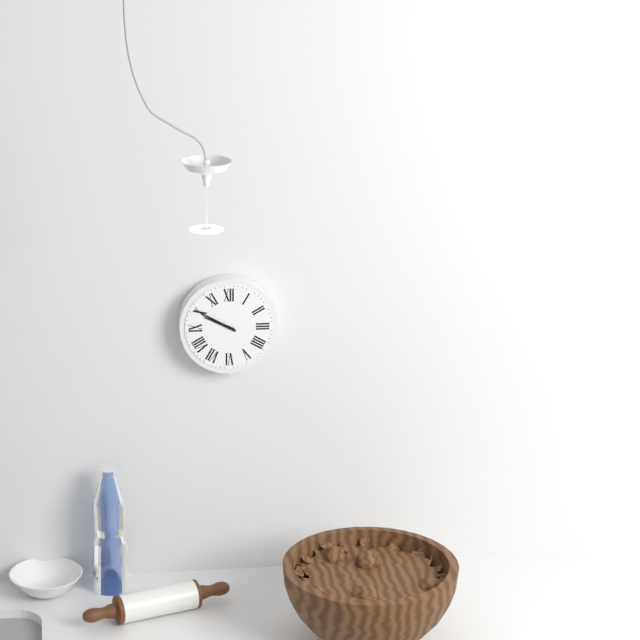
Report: 9 h 50 min
